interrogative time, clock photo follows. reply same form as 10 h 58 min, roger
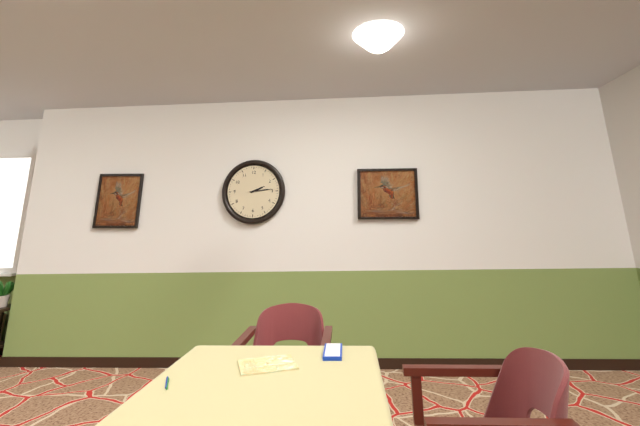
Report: 2 h 14 min
